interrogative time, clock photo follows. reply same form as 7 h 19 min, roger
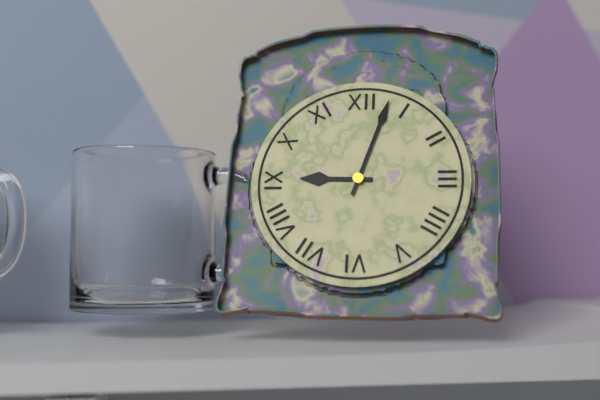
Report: 9 h 03 min
